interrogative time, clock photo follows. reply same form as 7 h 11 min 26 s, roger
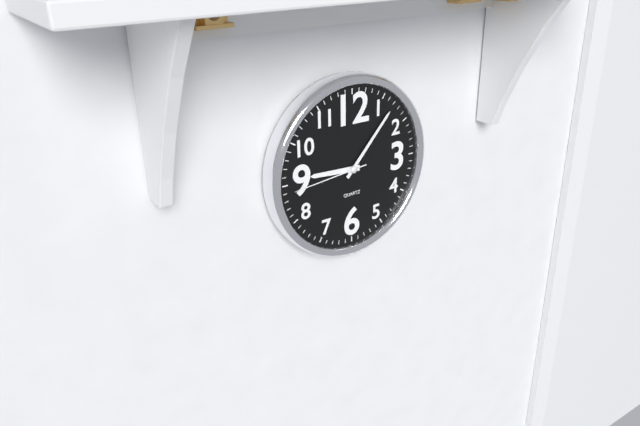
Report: 9 h 07 min 44 s
